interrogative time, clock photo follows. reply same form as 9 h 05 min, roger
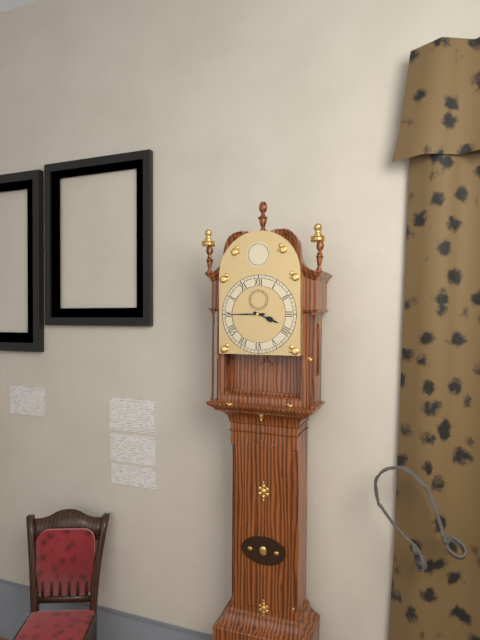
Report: 3 h 45 min
